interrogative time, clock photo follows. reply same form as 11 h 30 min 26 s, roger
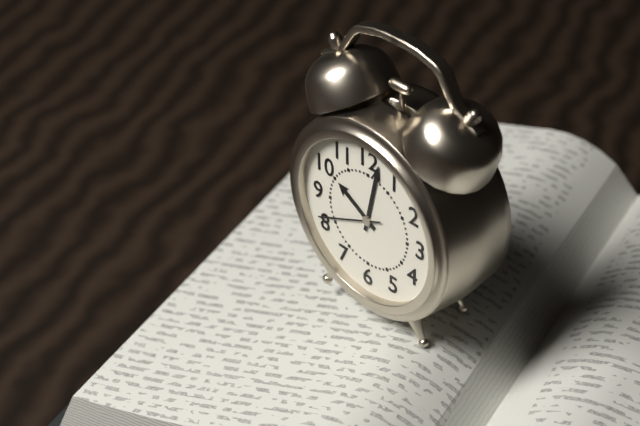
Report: 10 h 02 min 41 s
